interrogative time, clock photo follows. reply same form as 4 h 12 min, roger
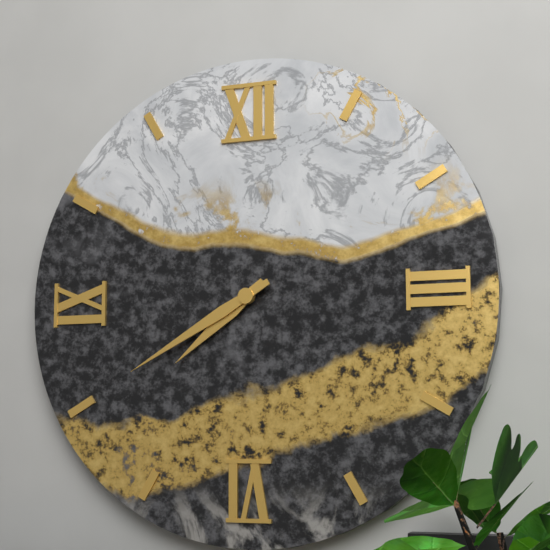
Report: 7 h 40 min
